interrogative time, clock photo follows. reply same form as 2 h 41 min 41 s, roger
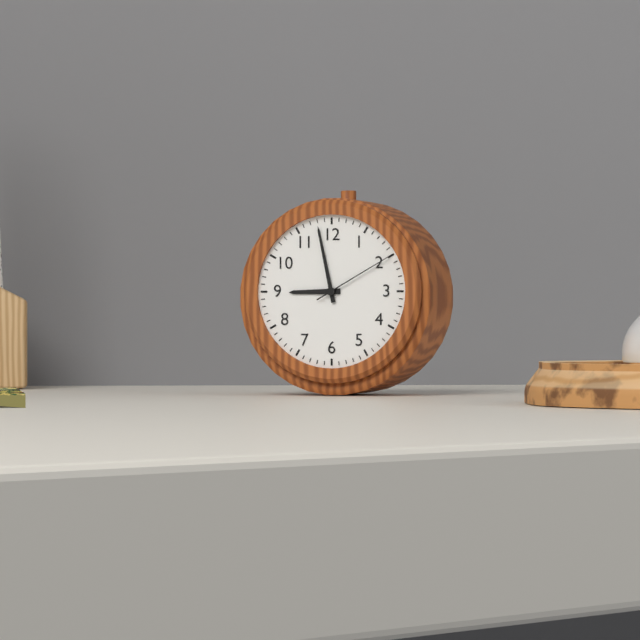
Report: 8 h 58 min 10 s
